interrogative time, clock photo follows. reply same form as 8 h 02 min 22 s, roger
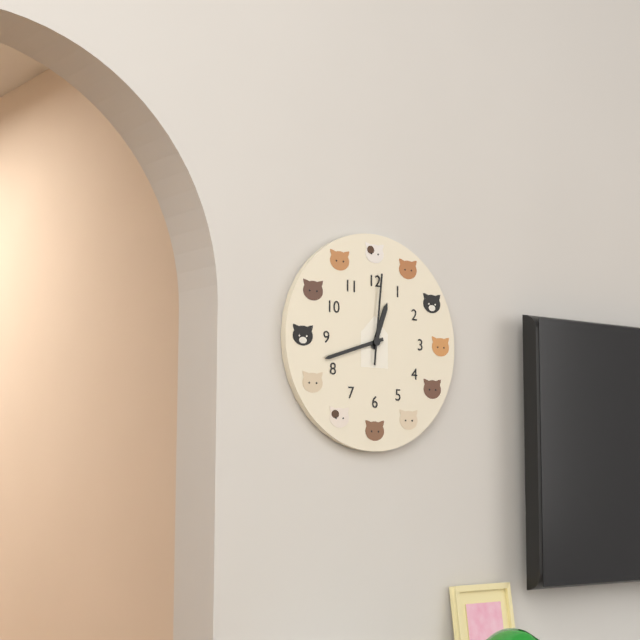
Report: 12 h 42 min 01 s
